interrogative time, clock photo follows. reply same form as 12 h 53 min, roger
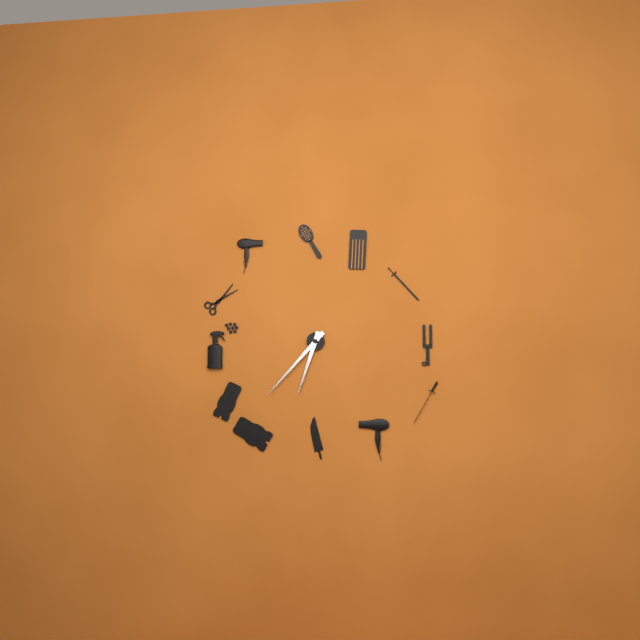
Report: 6 h 37 min
